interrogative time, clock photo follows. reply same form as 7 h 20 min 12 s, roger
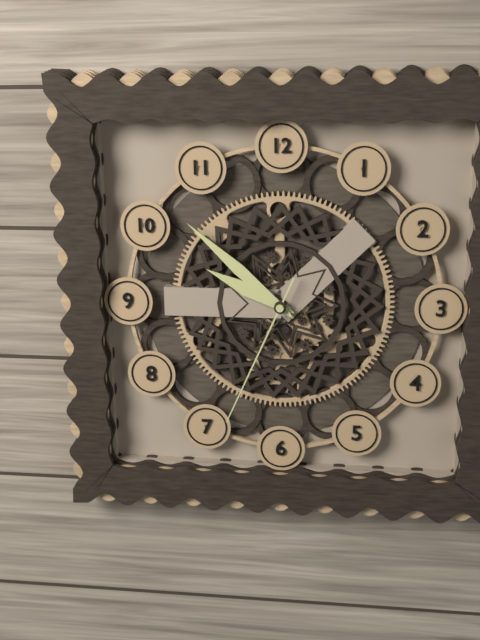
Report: 9 h 52 min 34 s
